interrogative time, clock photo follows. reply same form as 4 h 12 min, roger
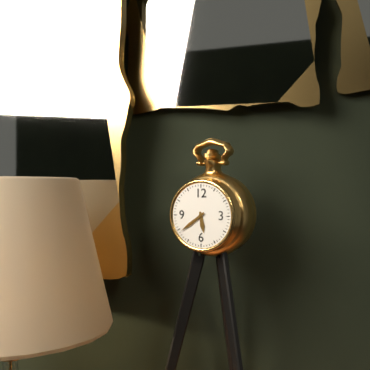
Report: 5 h 39 min
